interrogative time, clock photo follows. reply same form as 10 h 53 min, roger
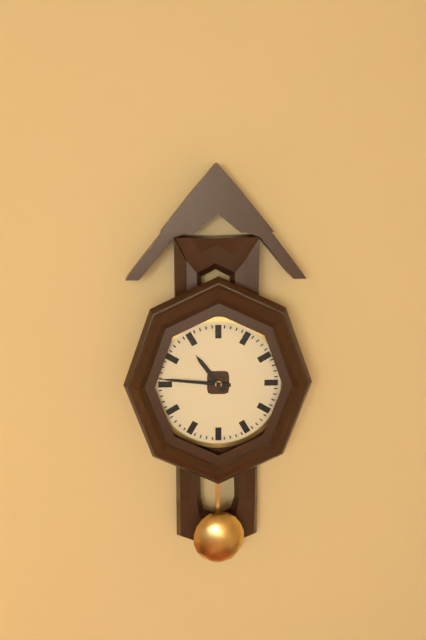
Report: 10 h 46 min
